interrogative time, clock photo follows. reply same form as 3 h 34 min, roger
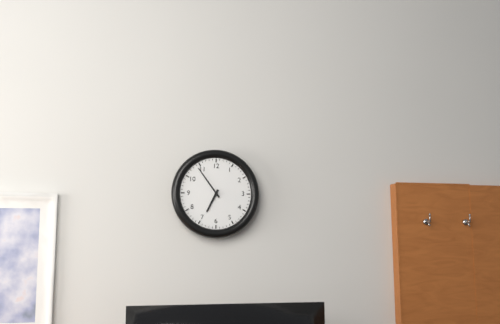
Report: 6 h 54 min
